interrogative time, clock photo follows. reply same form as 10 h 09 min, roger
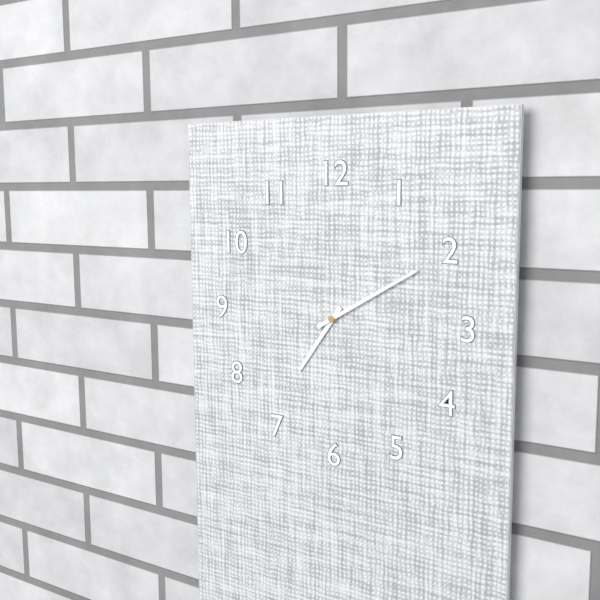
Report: 7 h 10 min
